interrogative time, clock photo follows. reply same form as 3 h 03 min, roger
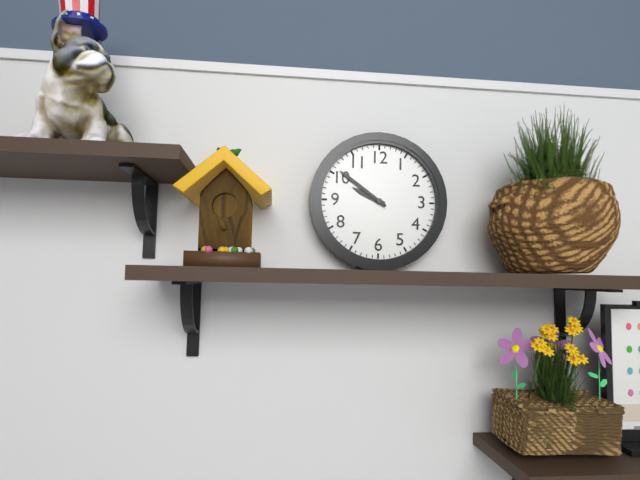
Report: 9 h 51 min
